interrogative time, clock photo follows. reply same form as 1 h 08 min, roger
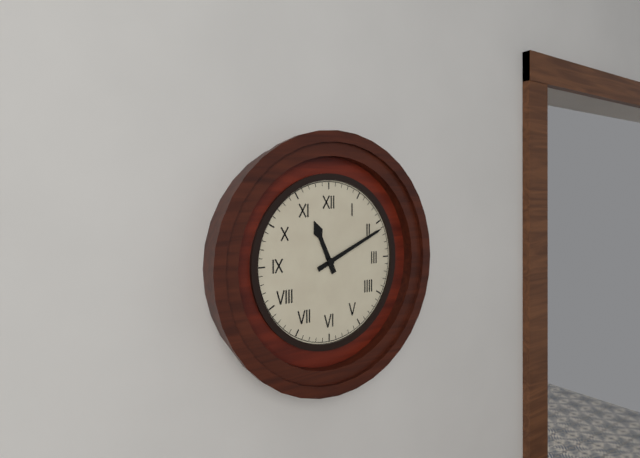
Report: 11 h 11 min
